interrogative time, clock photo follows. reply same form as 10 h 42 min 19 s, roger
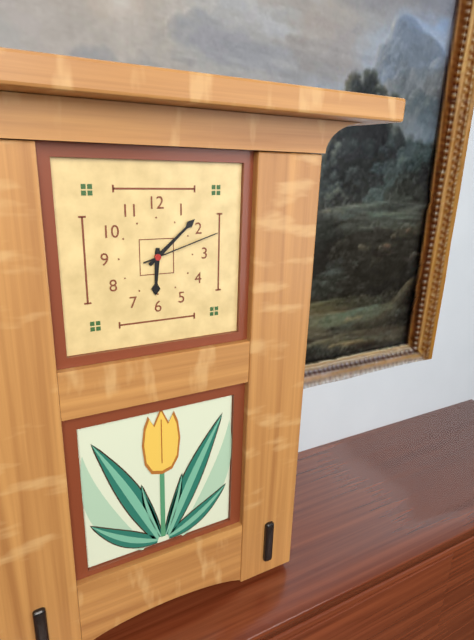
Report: 6 h 08 min 12 s
